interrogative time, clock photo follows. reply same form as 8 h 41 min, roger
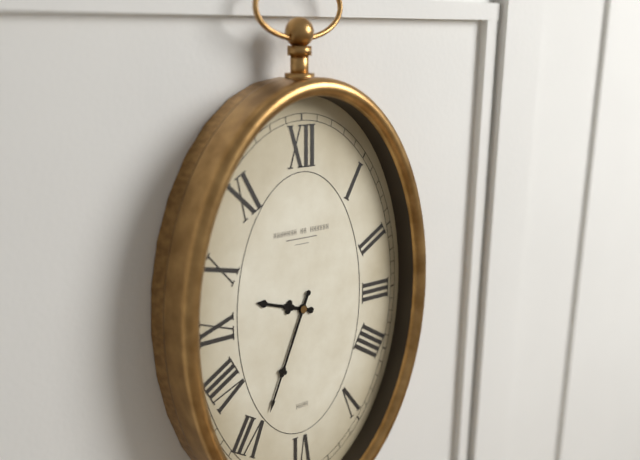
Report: 9 h 34 min
